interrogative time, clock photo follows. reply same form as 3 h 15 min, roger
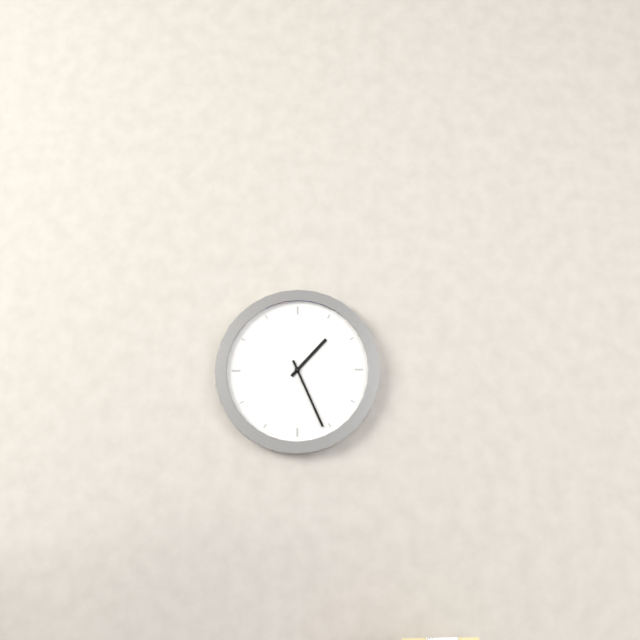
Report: 1 h 26 min
